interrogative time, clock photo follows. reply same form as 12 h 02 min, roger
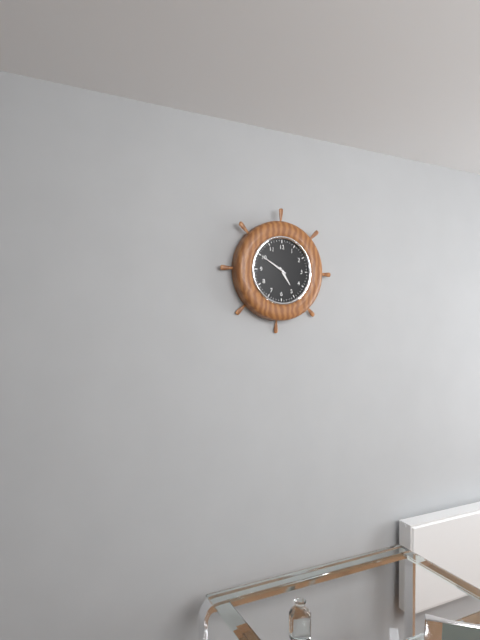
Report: 4 h 50 min
